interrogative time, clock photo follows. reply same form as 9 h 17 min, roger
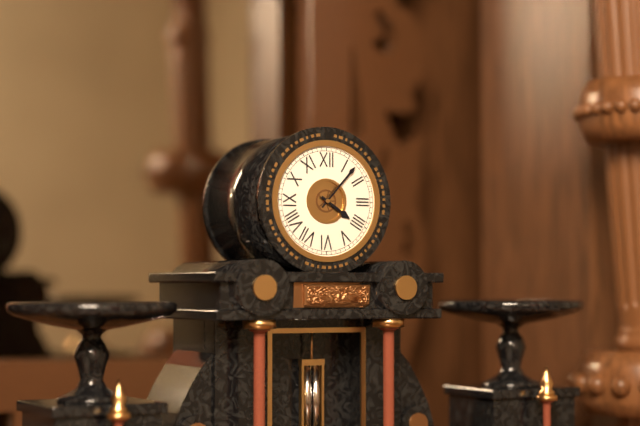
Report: 4 h 07 min
